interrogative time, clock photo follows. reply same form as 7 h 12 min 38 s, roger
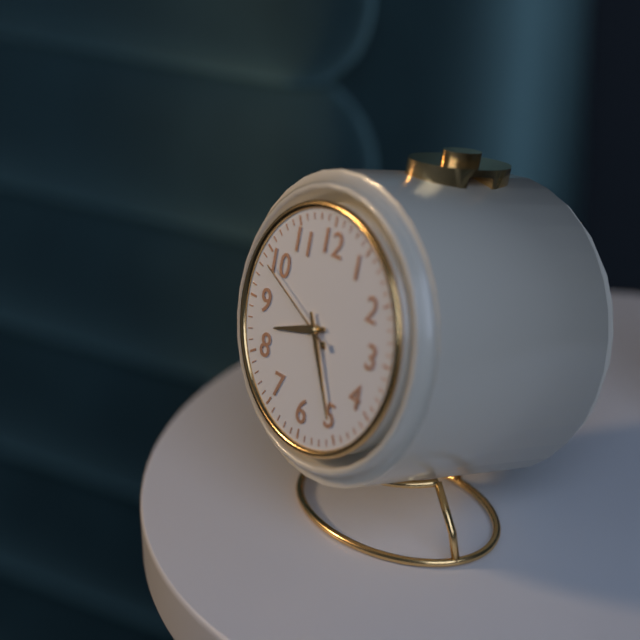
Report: 8 h 25 min 49 s
